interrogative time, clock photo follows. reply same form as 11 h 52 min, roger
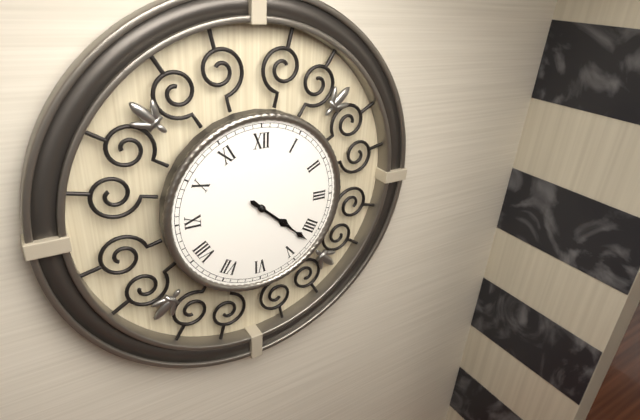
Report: 4 h 22 min
